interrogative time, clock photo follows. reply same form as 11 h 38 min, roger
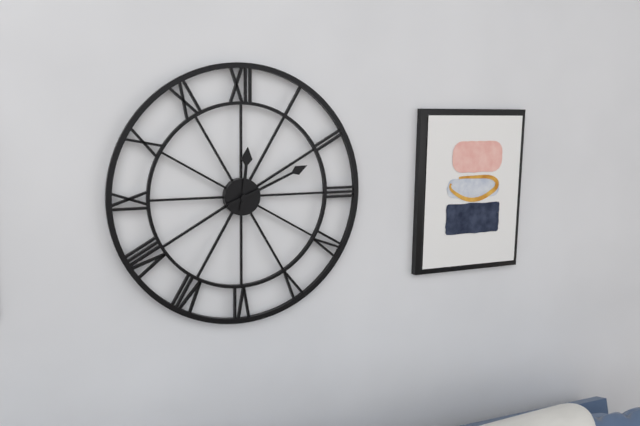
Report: 12 h 11 min
